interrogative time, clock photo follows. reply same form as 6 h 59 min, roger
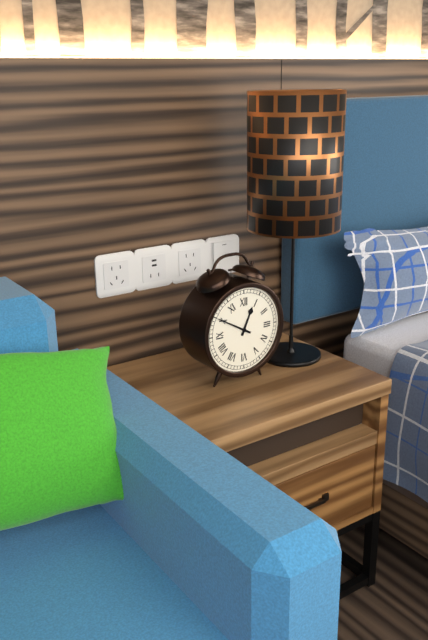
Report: 12 h 50 min
